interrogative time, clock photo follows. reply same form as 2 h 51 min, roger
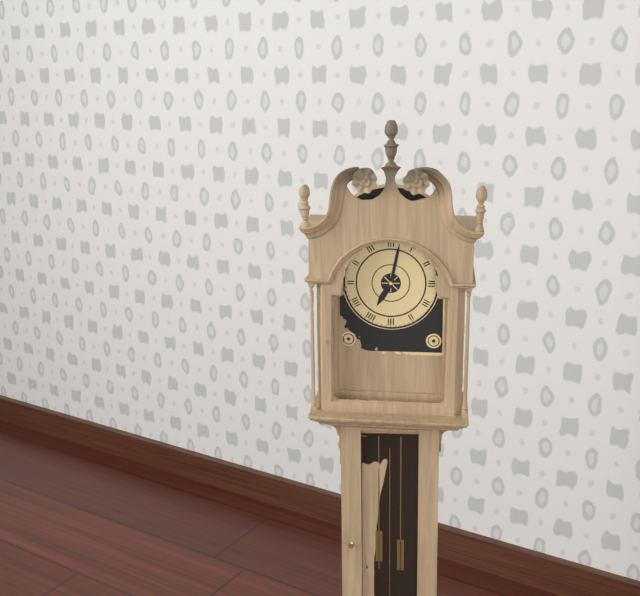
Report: 7 h 02 min
